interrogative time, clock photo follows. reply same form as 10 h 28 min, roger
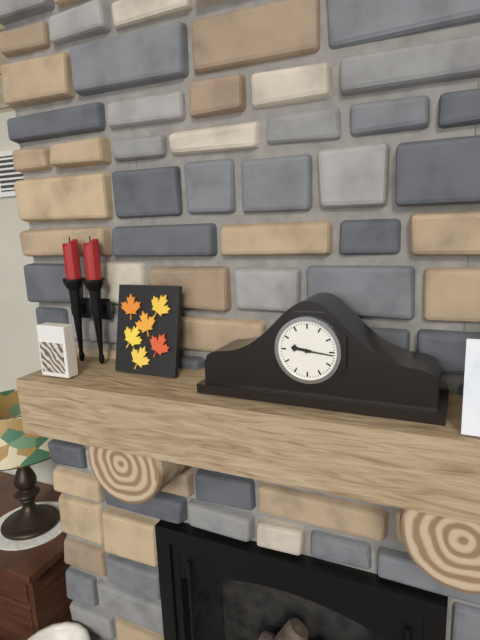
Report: 9 h 16 min
